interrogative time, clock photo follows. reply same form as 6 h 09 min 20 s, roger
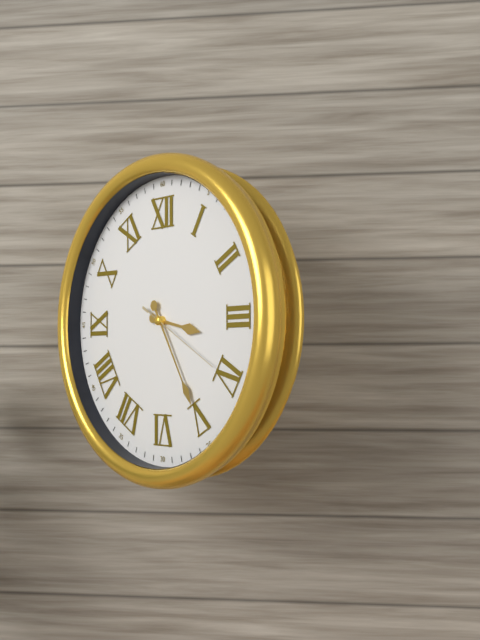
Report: 3 h 25 min 20 s
